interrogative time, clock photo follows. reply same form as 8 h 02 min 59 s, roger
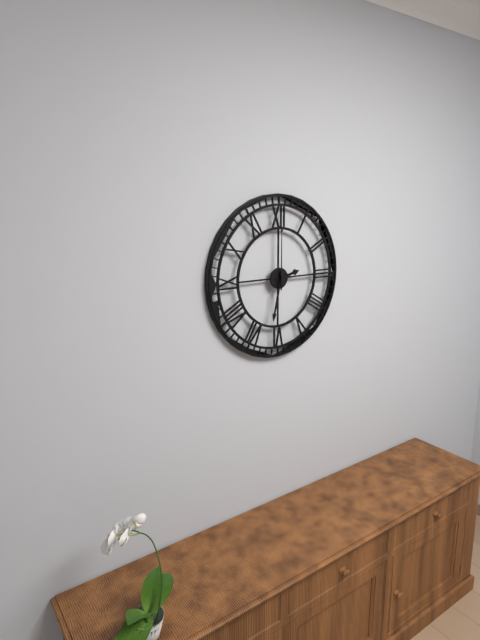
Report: 2 h 32 min 00 s
